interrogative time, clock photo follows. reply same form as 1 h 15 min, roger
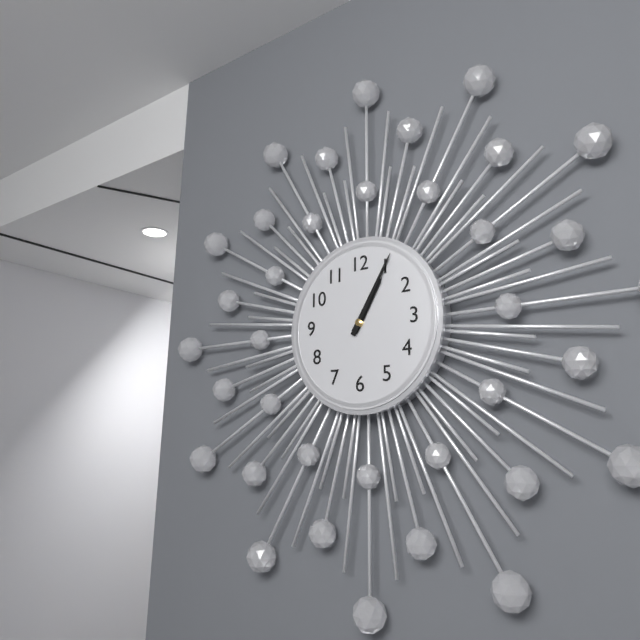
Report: 1 h 05 min
